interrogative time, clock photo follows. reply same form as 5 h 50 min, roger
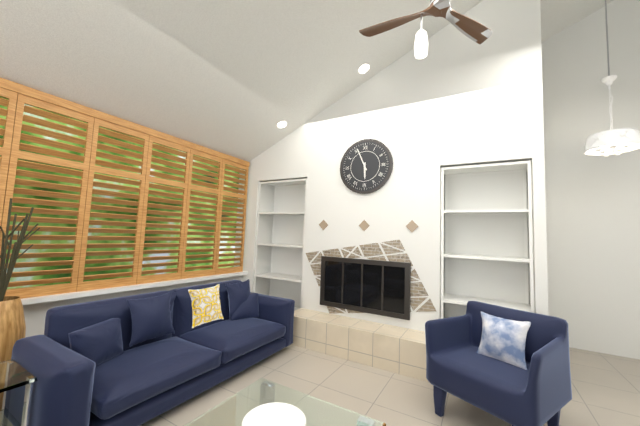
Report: 5 h 56 min
